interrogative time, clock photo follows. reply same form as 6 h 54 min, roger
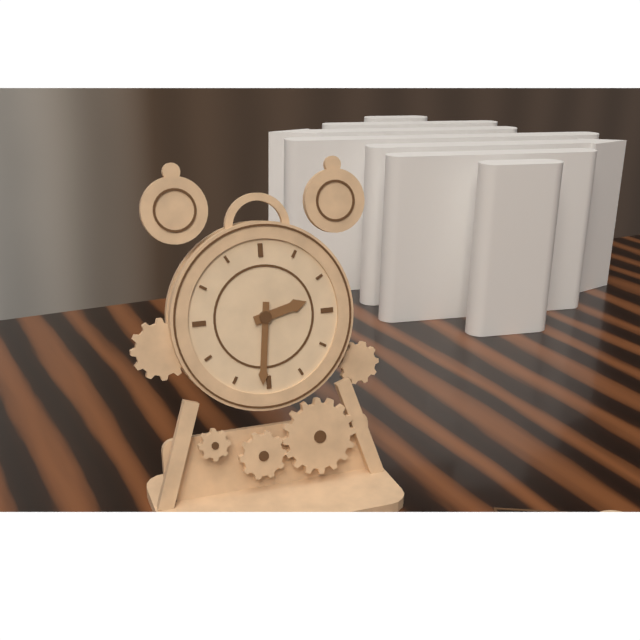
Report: 2 h 31 min
